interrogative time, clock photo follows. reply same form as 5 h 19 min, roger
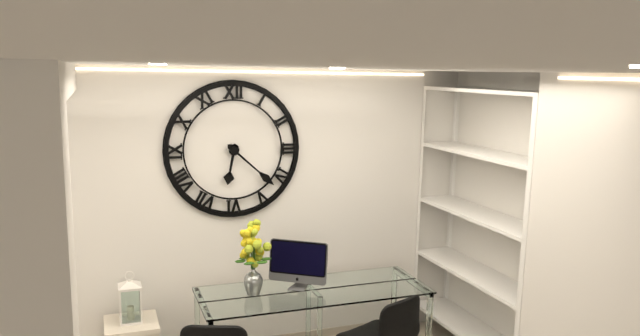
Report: 6 h 22 min
